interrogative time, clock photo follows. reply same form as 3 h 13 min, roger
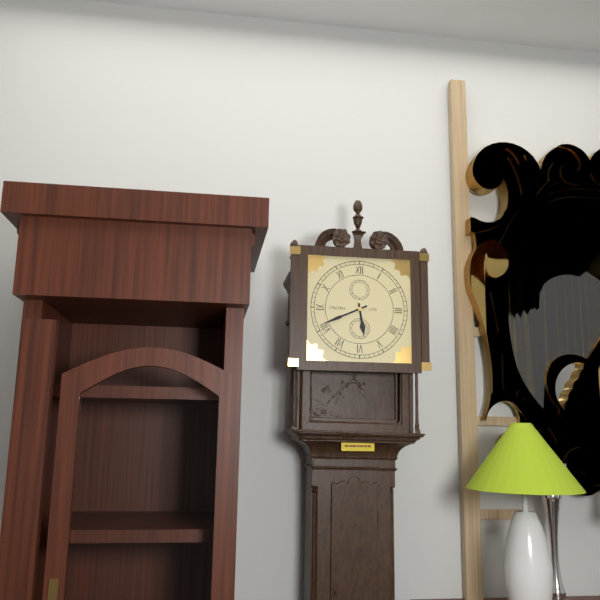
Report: 5 h 41 min
